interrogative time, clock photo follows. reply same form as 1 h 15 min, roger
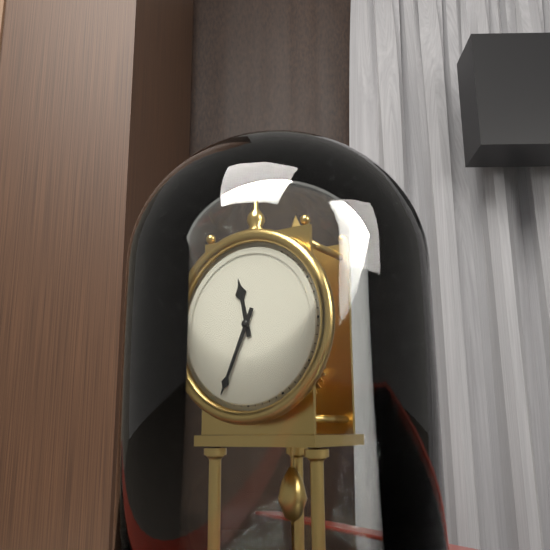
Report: 11 h 34 min
